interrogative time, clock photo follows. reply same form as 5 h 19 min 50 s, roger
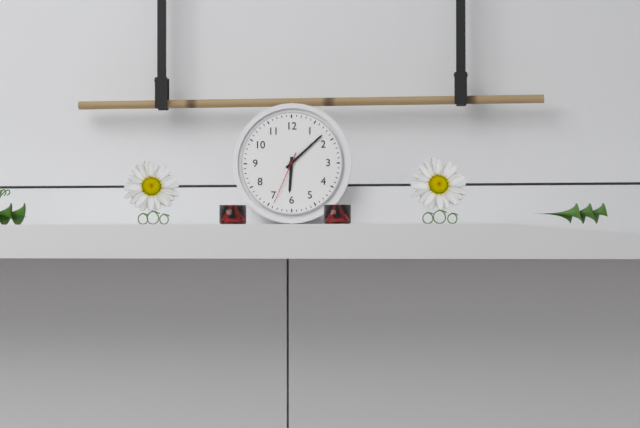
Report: 6 h 08 min 34 s
